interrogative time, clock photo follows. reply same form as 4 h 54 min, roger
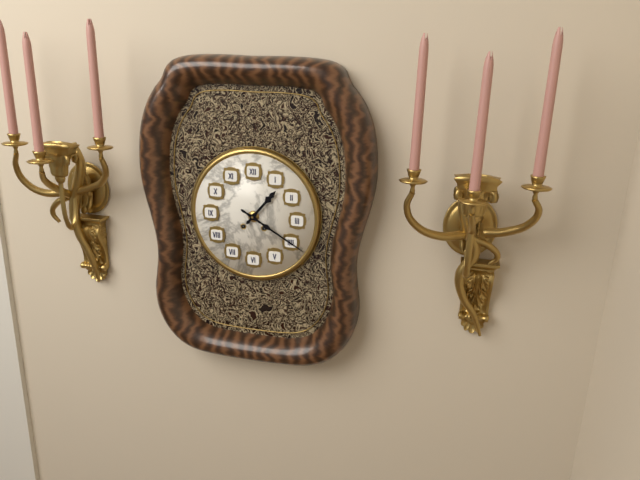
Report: 1 h 20 min
